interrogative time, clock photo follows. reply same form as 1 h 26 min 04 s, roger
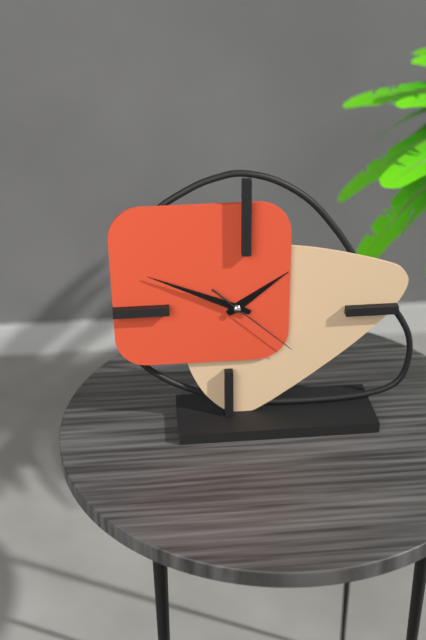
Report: 1 h 49 min 22 s
